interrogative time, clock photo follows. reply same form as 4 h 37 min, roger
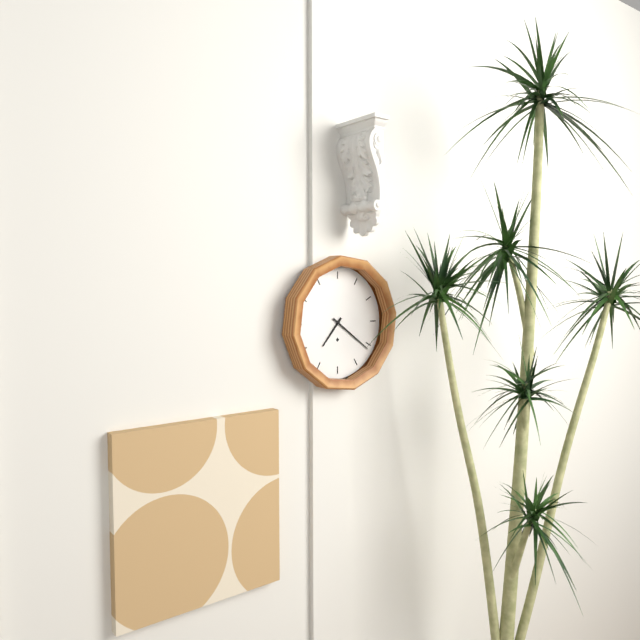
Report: 7 h 21 min
